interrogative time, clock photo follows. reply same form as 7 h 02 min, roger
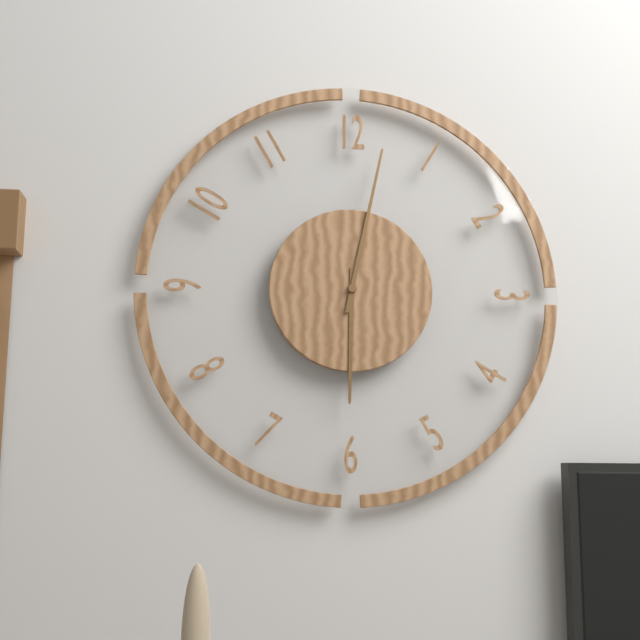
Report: 6 h 02 min
